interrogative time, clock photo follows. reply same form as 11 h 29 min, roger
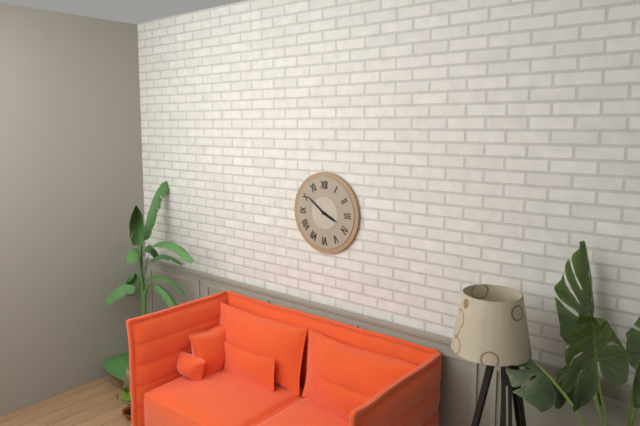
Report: 3 h 51 min
